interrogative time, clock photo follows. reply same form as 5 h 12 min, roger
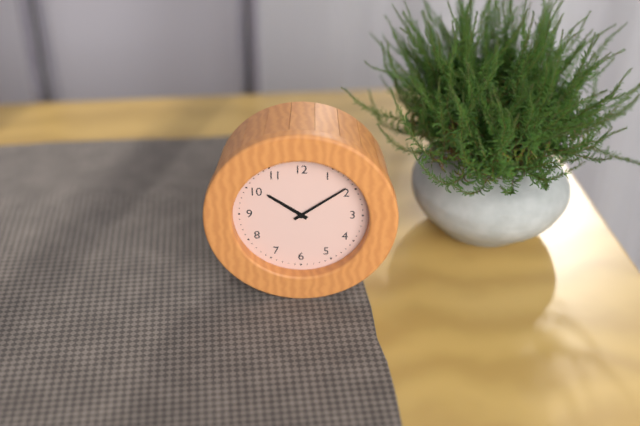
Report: 10 h 09 min
